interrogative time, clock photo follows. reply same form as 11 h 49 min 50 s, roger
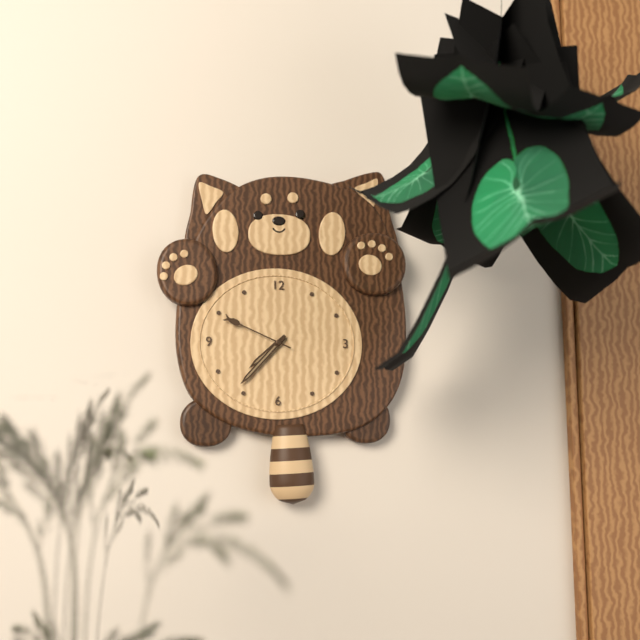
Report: 7 h 37 min 49 s
